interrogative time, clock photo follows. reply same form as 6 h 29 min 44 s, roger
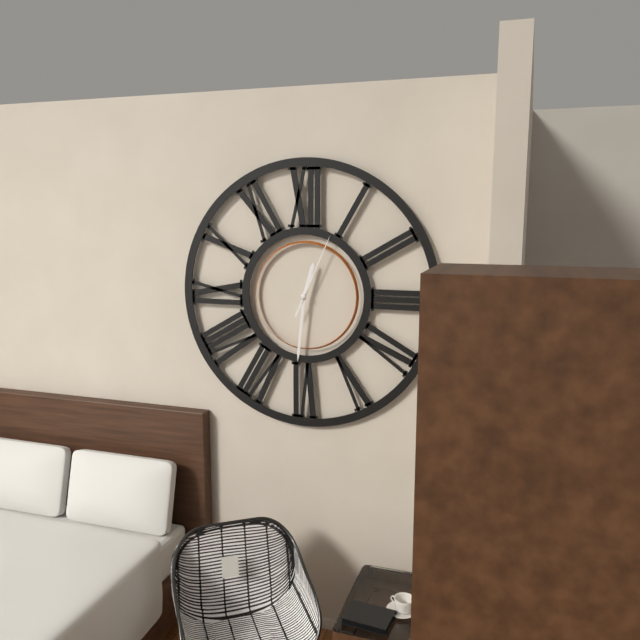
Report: 12 h 31 min 04 s
